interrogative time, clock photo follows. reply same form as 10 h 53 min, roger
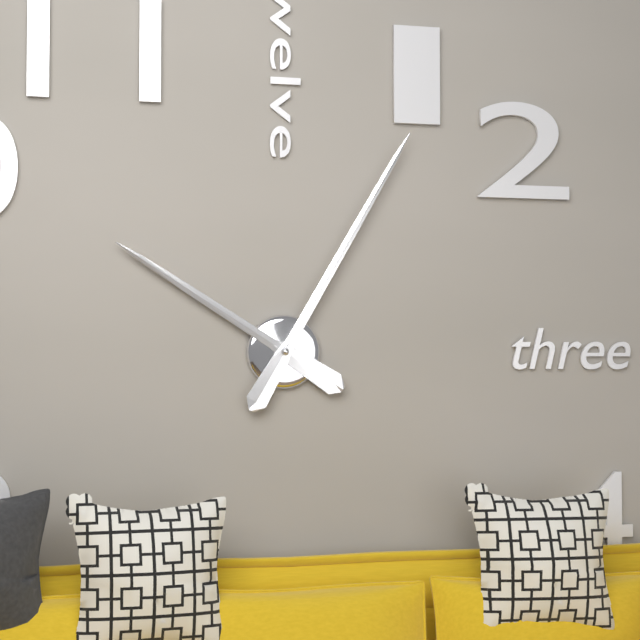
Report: 10 h 05 min
